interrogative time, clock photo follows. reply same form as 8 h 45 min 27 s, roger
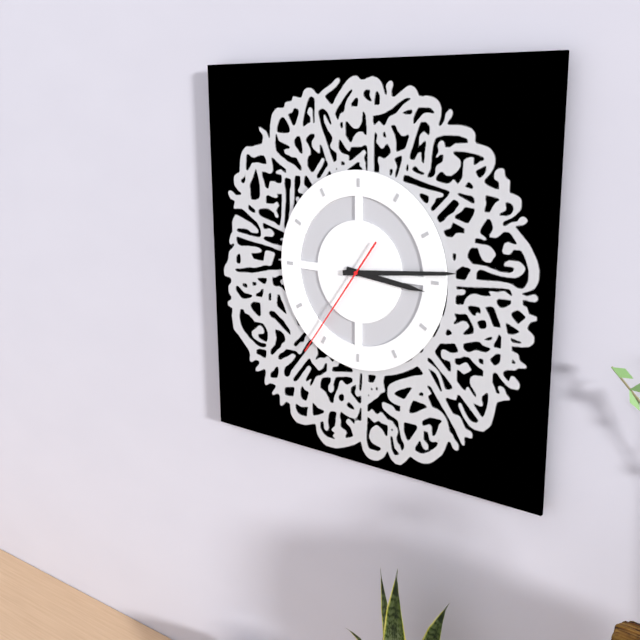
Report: 3 h 14 min 36 s
